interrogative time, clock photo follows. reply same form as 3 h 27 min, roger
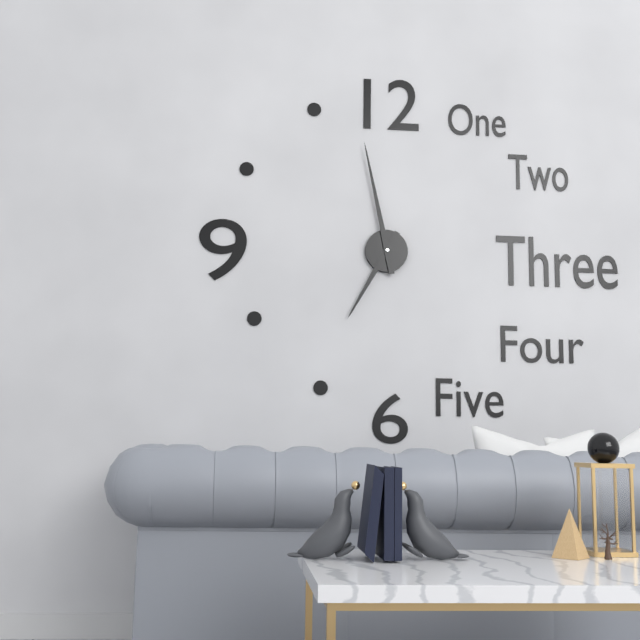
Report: 6 h 58 min
